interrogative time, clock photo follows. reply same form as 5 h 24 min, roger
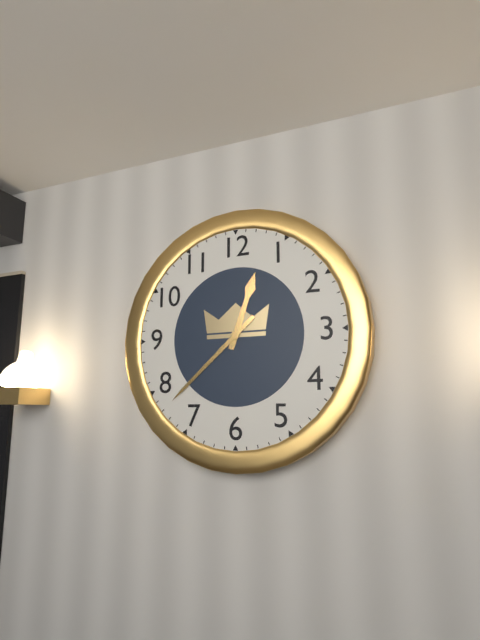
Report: 12 h 38 min
